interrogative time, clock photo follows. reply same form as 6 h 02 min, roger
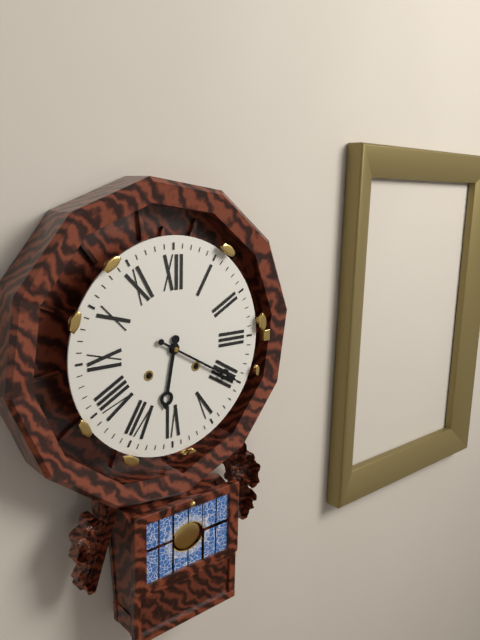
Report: 6 h 20 min
